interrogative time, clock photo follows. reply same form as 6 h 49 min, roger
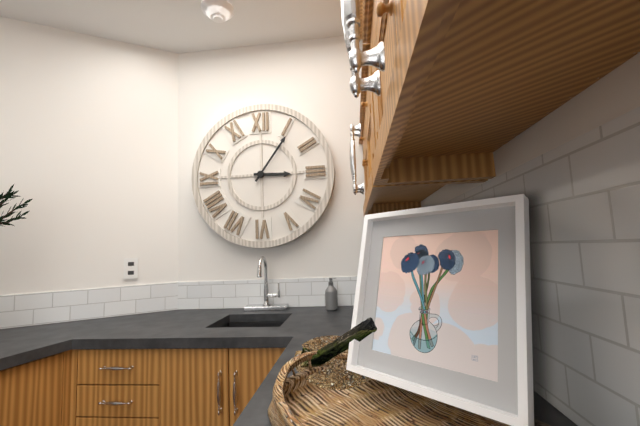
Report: 3 h 06 min
